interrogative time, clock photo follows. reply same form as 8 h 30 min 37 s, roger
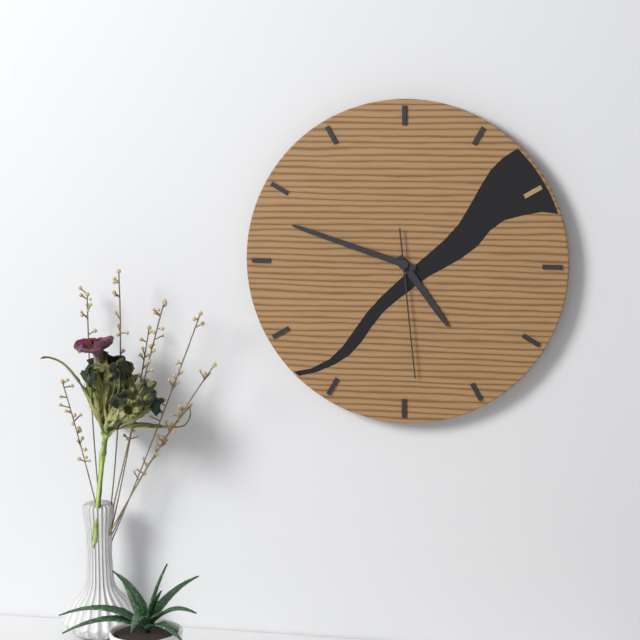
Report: 4 h 48 min 29 s
